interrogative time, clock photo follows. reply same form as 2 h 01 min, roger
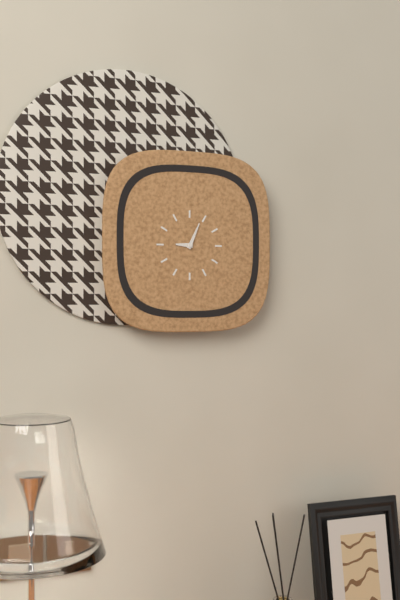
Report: 9 h 04 min
